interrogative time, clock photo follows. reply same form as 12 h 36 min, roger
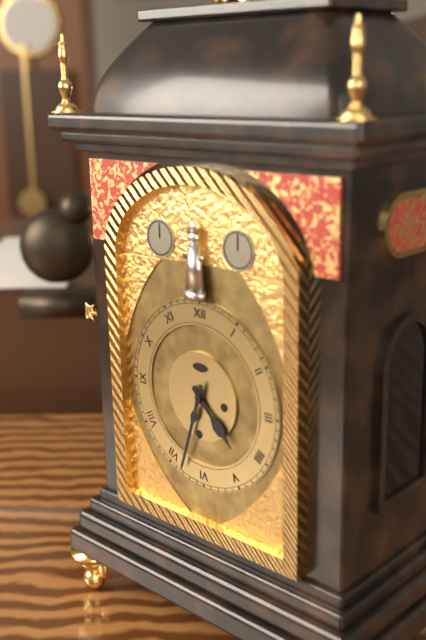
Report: 4 h 33 min
